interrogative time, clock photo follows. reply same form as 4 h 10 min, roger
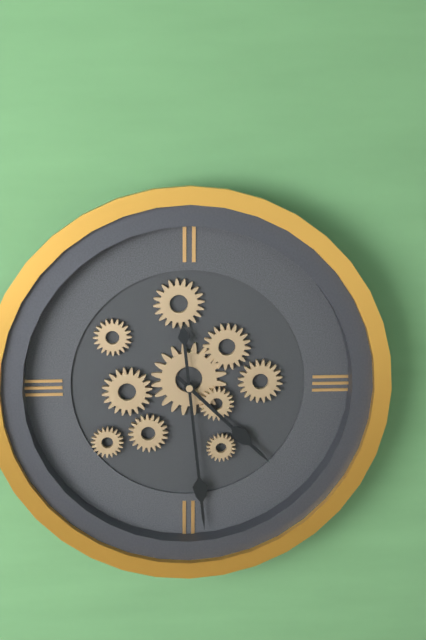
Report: 4 h 29 min
